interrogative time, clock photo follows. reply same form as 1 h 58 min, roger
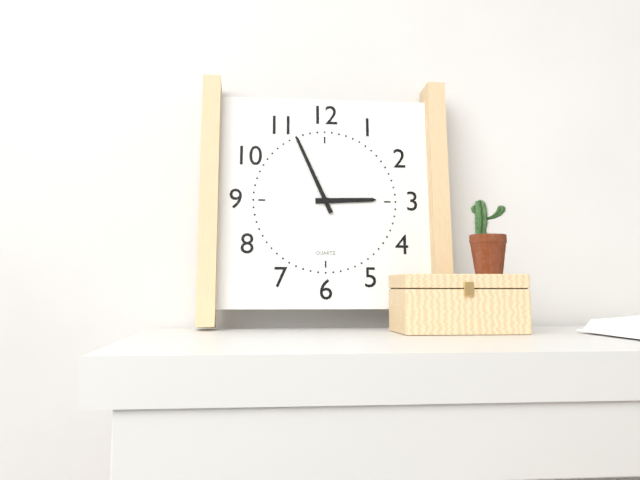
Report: 2 h 56 min
